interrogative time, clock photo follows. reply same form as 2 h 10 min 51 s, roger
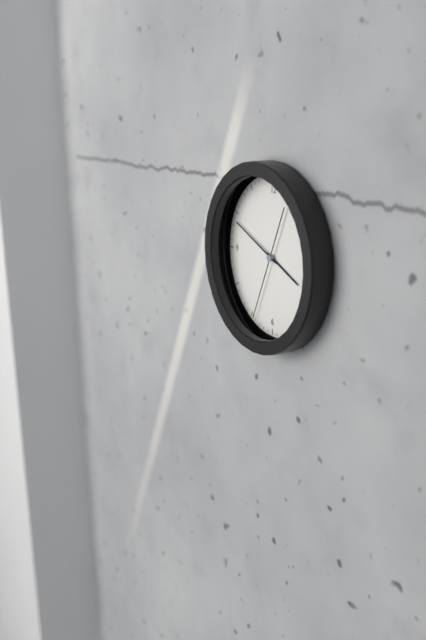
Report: 3 h 49 min 34 s
